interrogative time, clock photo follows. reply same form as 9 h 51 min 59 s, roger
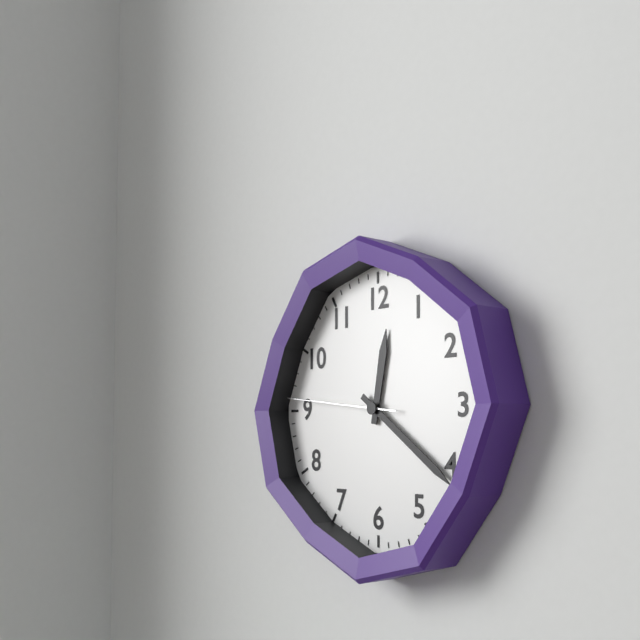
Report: 12 h 21 min 46 s
